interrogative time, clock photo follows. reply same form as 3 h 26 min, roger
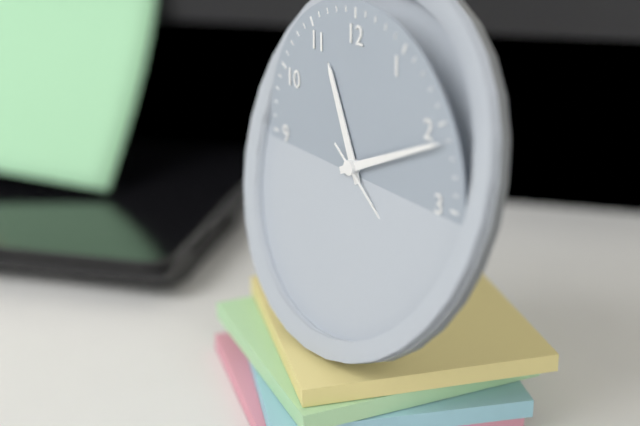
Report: 11 h 11 min
